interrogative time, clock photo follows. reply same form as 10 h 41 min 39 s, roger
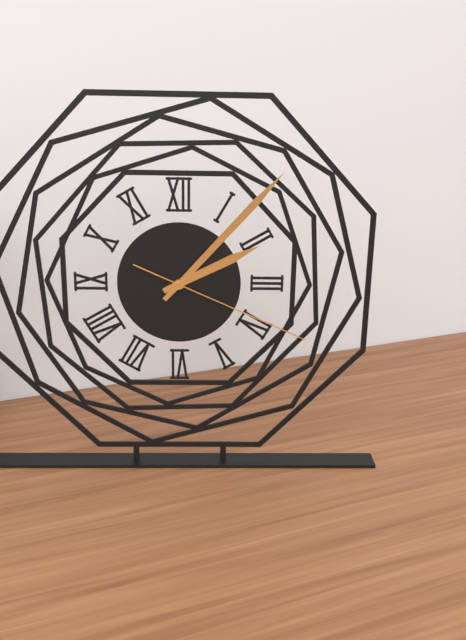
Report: 2 h 07 min 19 s
